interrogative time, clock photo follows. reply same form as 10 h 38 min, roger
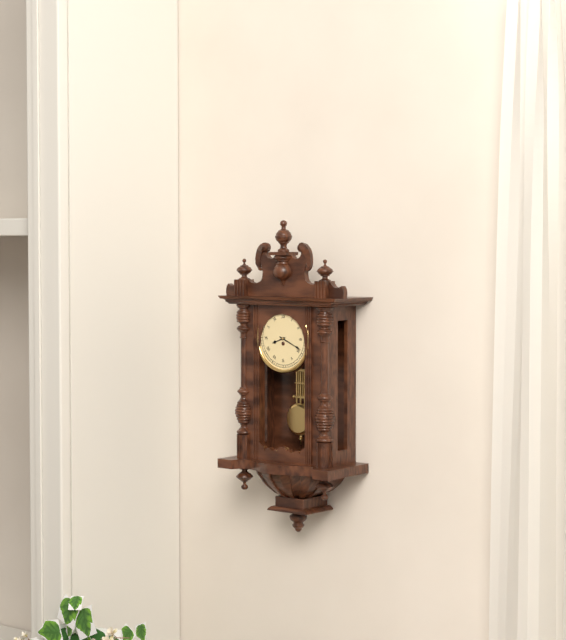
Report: 8 h 19 min
